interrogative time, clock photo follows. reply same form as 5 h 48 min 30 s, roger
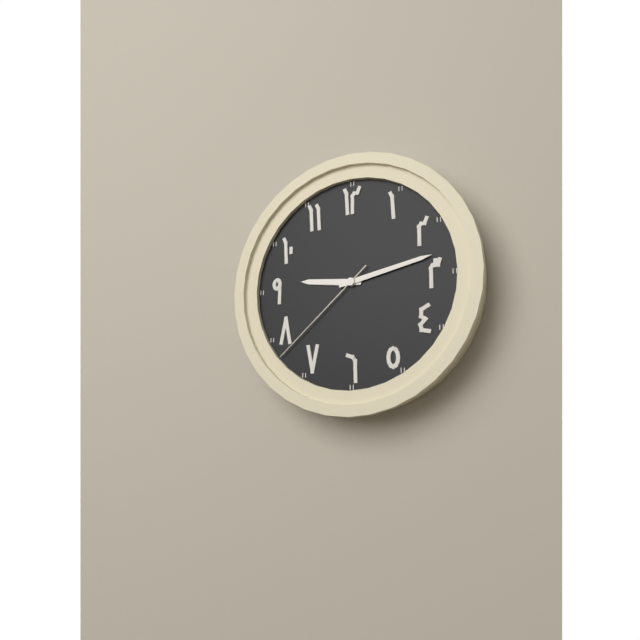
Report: 9 h 13 min 38 s
